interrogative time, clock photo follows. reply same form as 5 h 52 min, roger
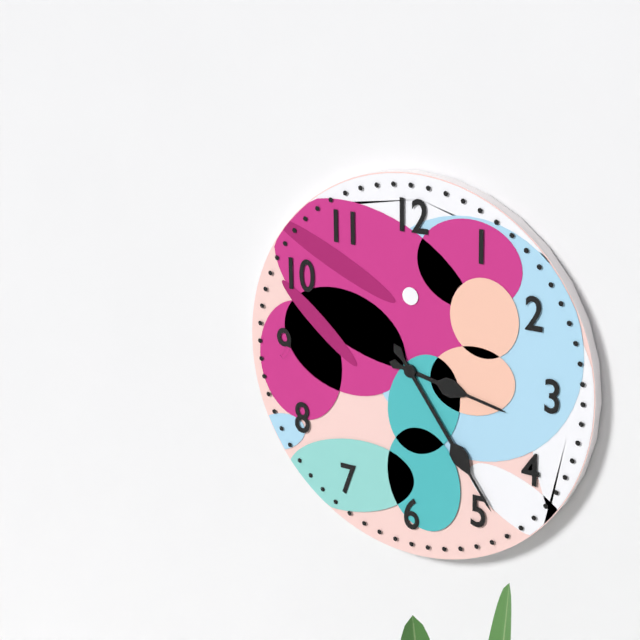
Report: 3 h 24 min
